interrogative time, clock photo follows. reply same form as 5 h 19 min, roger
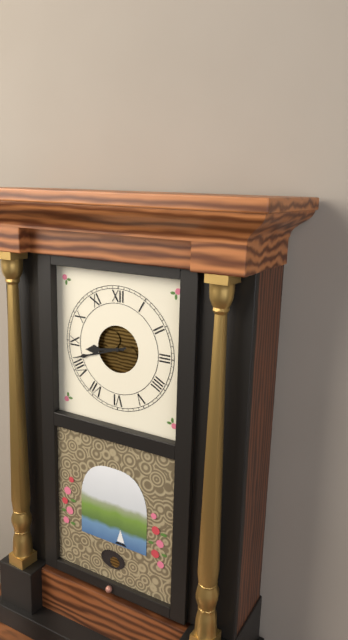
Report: 8 h 42 min
